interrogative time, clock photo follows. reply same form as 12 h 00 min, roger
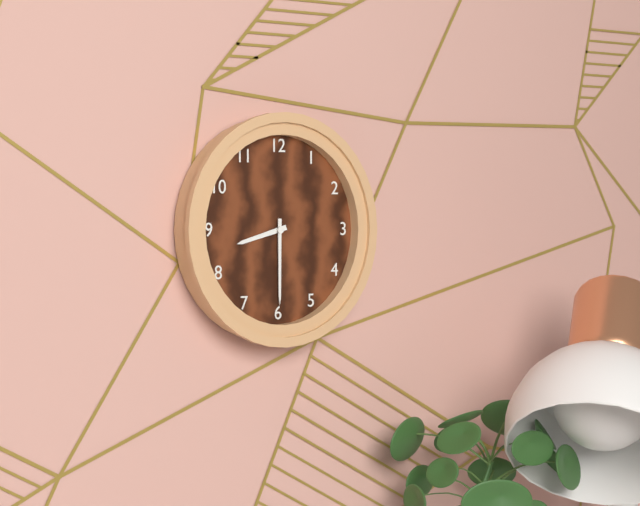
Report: 8 h 30 min
